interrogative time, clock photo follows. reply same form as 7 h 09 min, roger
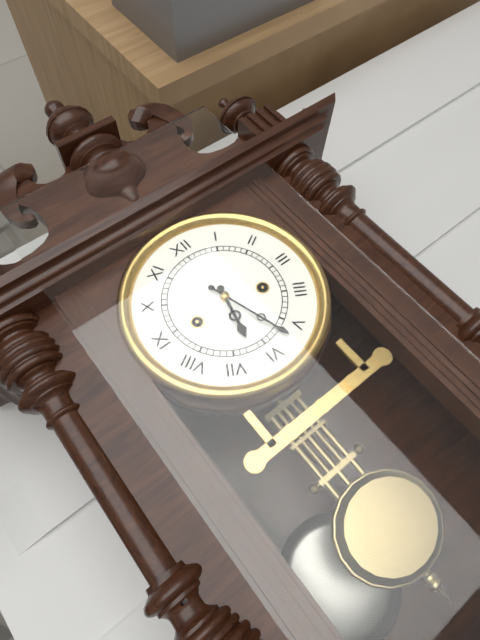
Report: 6 h 27 min
